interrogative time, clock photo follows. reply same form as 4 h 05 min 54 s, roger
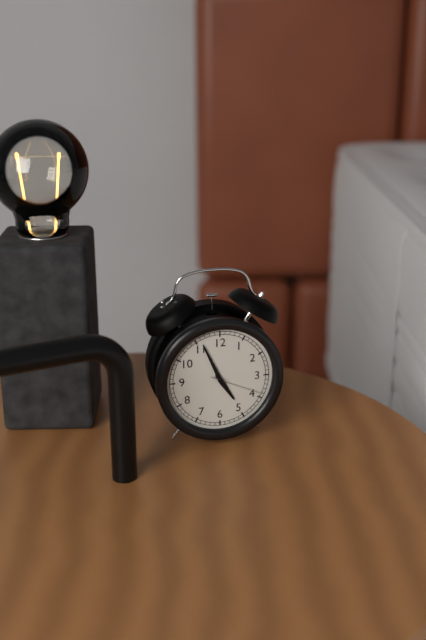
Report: 4 h 56 min 19 s
